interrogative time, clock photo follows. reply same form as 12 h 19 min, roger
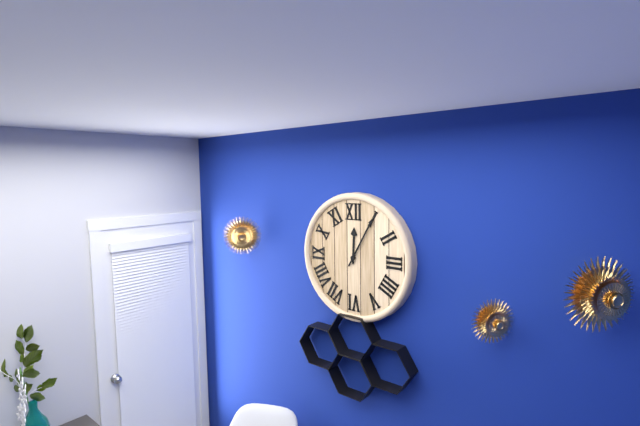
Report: 12 h 05 min
